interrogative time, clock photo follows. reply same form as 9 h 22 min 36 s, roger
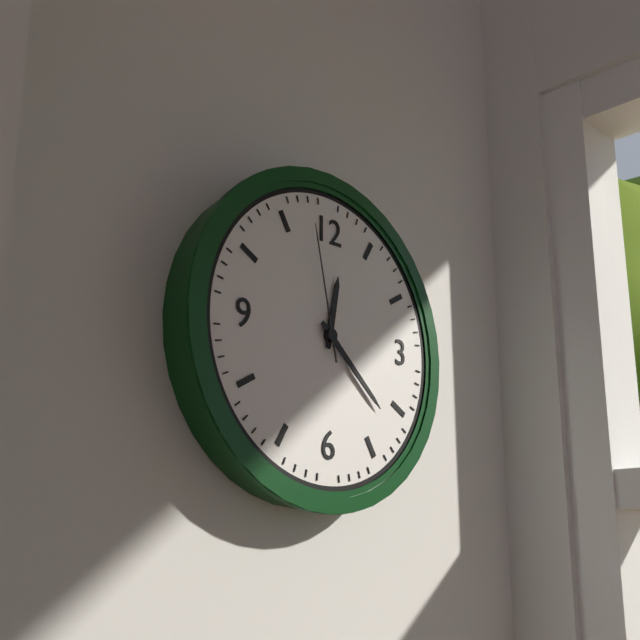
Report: 12 h 22 min 58 s
